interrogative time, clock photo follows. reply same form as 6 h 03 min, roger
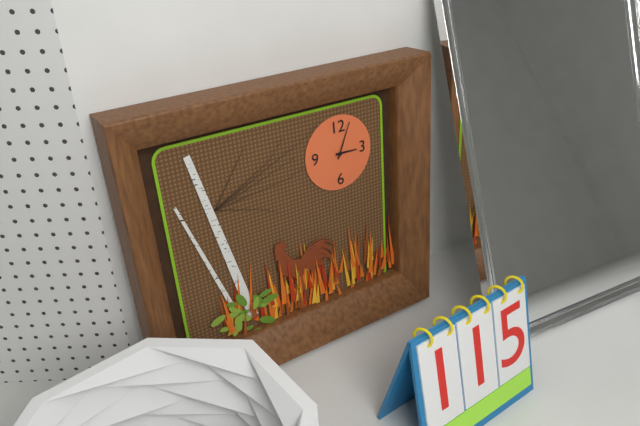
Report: 3 h 04 min
